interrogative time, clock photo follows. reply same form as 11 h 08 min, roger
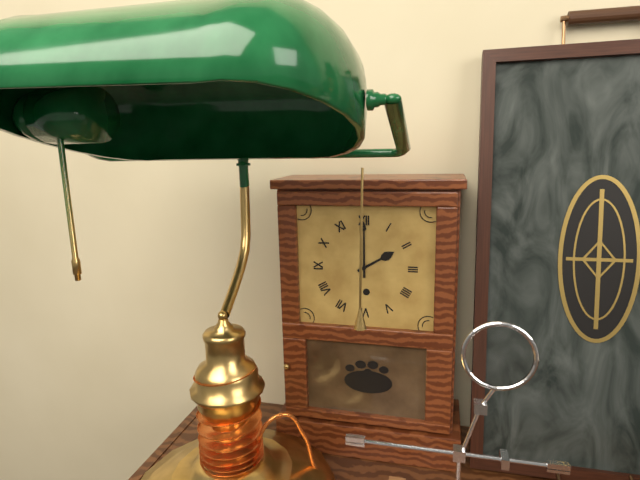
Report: 2 h 00 min
